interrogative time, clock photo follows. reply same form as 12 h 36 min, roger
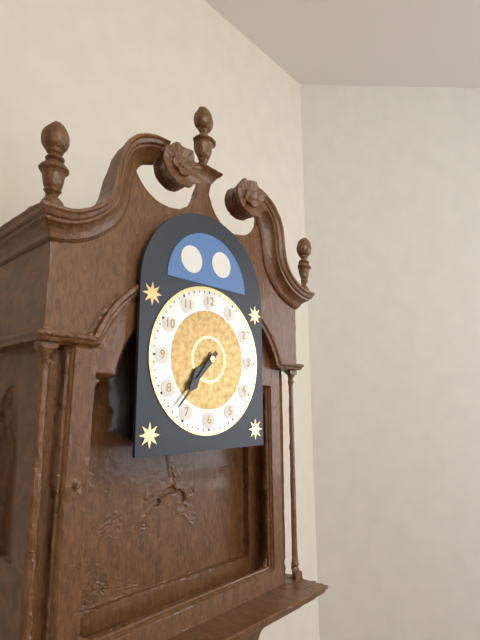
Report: 7 h 37 min
